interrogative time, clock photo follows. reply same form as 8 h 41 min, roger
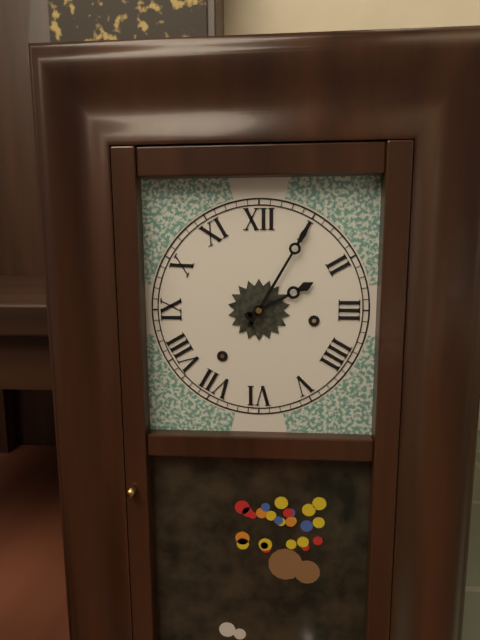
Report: 2 h 05 min
